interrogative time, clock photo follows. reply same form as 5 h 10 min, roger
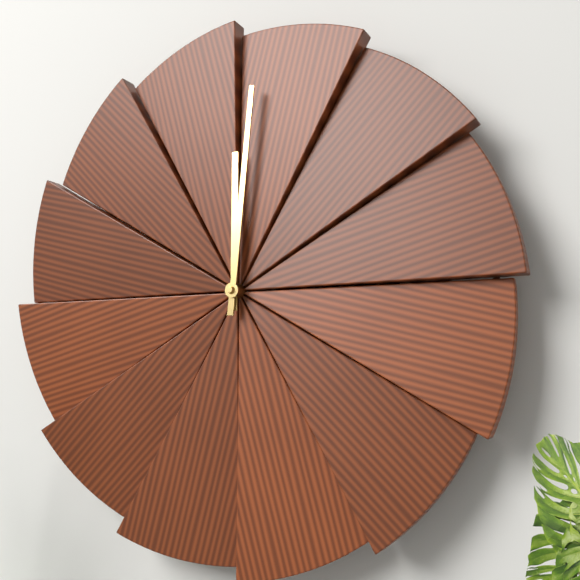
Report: 12 h 01 min
